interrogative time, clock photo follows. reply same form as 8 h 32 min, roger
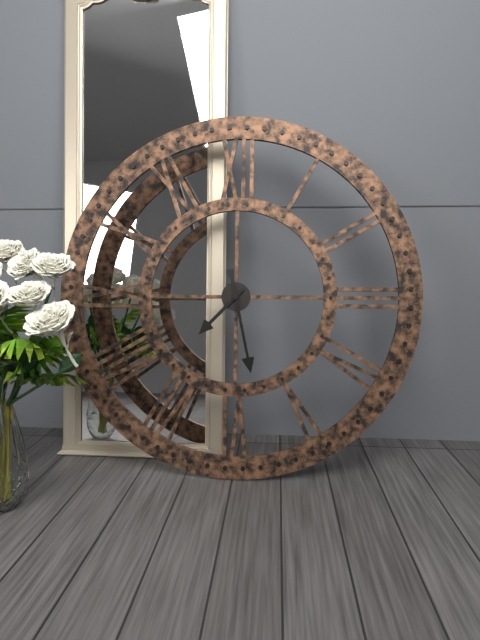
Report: 7 h 28 min
